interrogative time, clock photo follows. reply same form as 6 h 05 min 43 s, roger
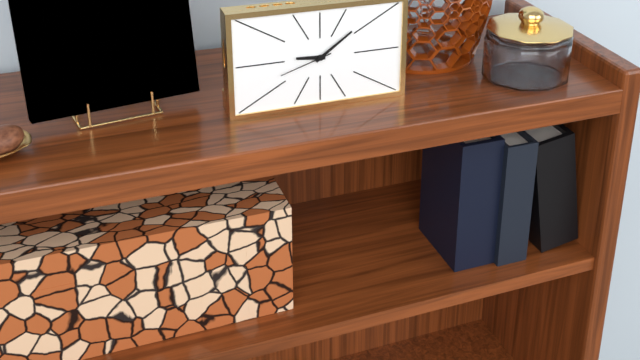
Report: 9 h 09 min 42 s
